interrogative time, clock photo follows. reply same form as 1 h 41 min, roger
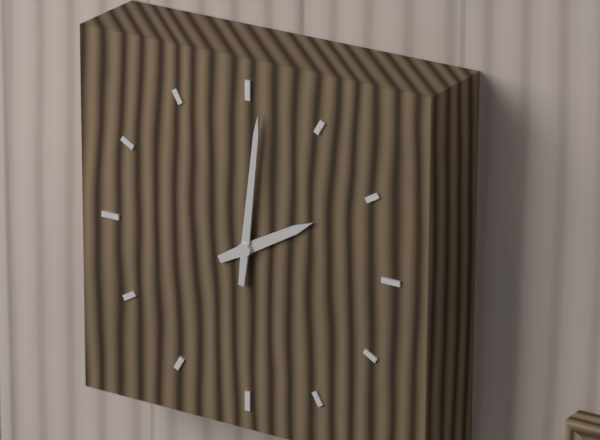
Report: 2 h 01 min
